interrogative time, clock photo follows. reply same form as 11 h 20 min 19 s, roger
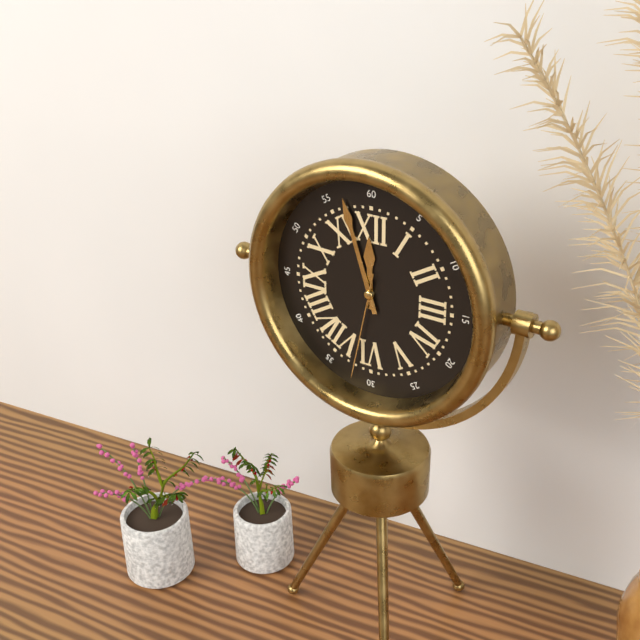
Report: 11 h 57 min 32 s
